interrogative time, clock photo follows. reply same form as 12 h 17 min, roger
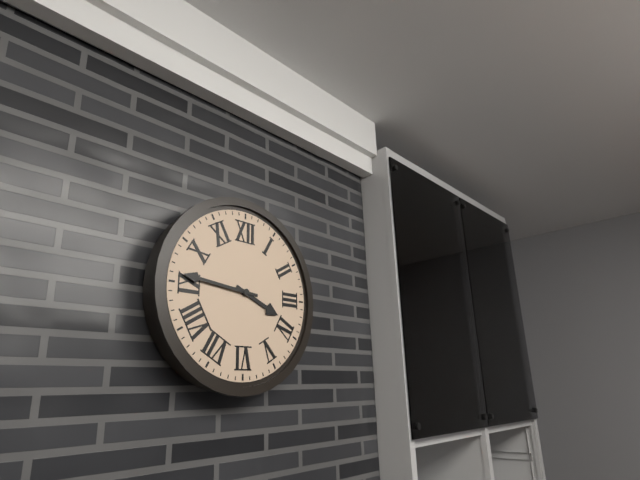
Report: 3 h 46 min
